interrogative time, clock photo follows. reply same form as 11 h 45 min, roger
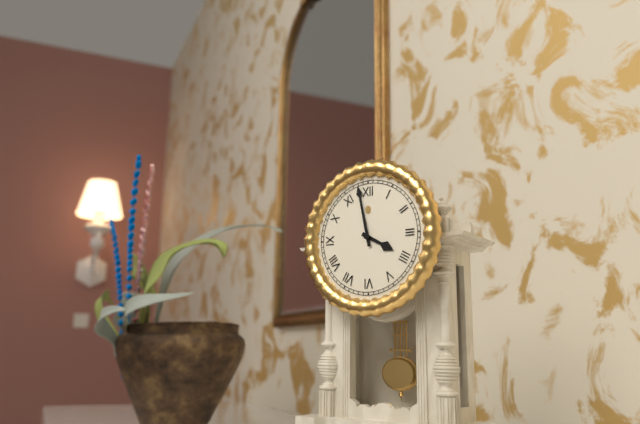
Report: 3 h 58 min
